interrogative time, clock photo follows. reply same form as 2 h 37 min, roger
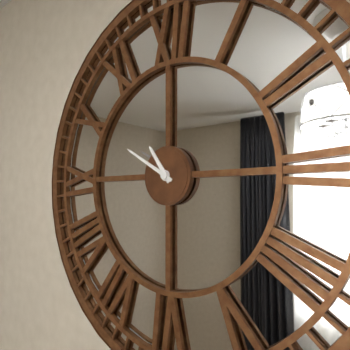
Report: 10 h 50 min
